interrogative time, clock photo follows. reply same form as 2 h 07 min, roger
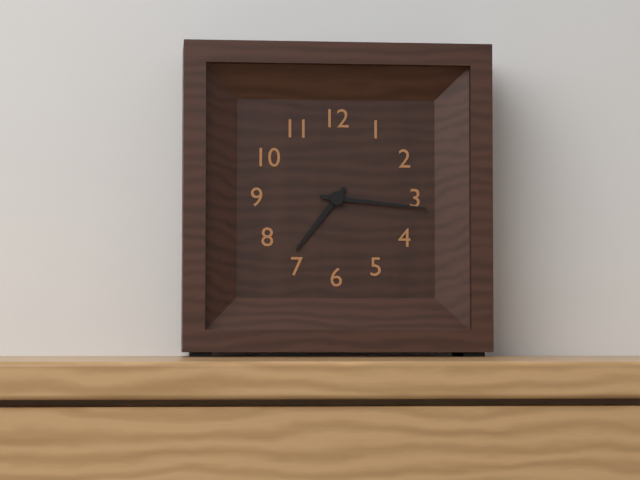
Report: 7 h 16 min
